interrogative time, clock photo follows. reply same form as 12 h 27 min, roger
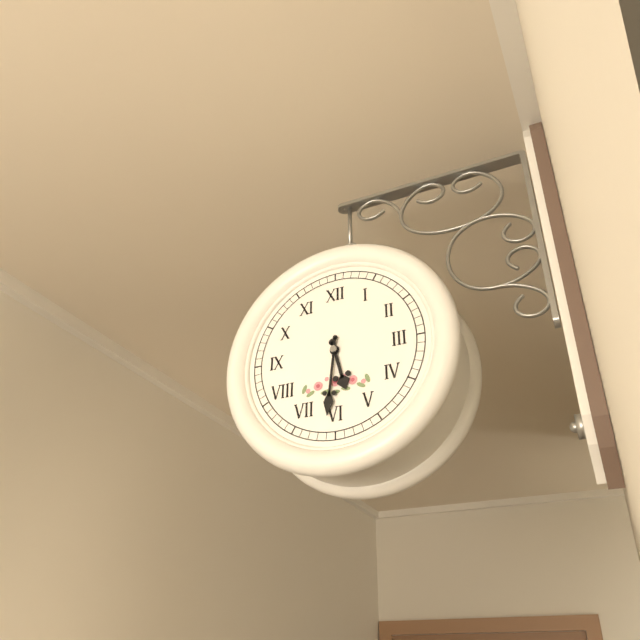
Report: 5 h 31 min
